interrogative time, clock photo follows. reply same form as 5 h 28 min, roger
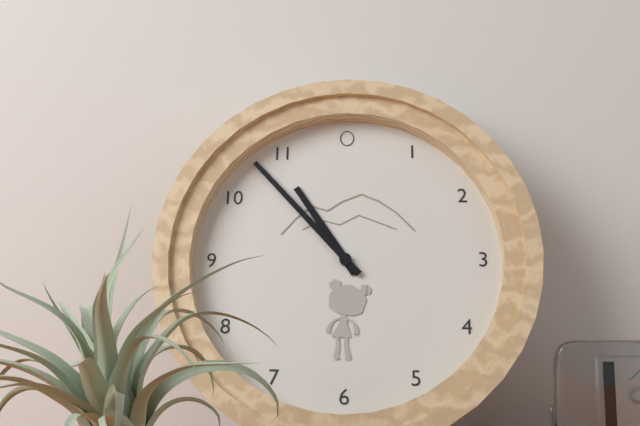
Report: 10 h 53 min
